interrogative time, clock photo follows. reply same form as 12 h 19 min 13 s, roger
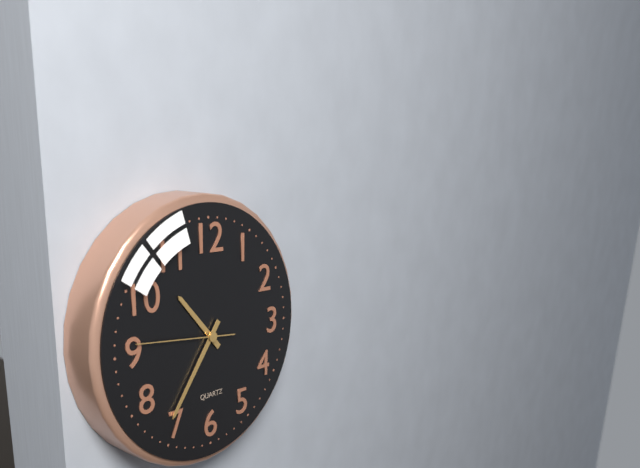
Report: 10 h 36 min 46 s
